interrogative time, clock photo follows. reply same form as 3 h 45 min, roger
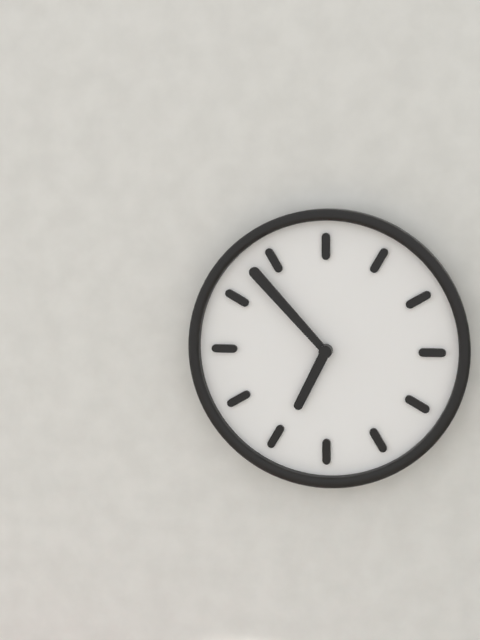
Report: 6 h 53 min
